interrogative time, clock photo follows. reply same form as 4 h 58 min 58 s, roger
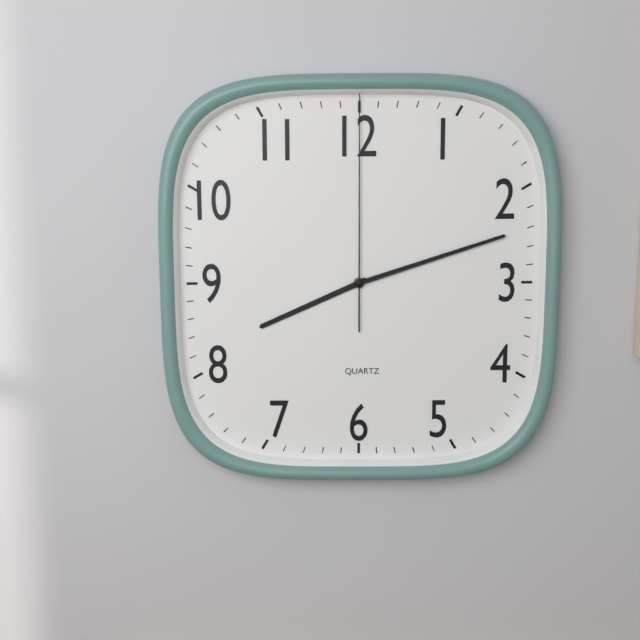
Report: 8 h 12 min 00 s
